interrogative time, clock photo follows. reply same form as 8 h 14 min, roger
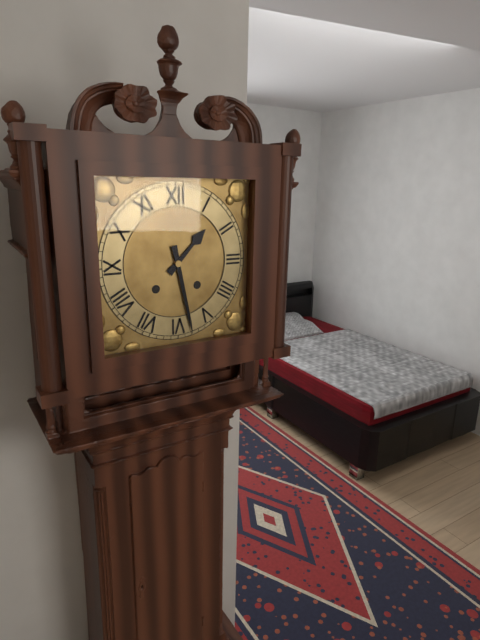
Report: 1 h 28 min
